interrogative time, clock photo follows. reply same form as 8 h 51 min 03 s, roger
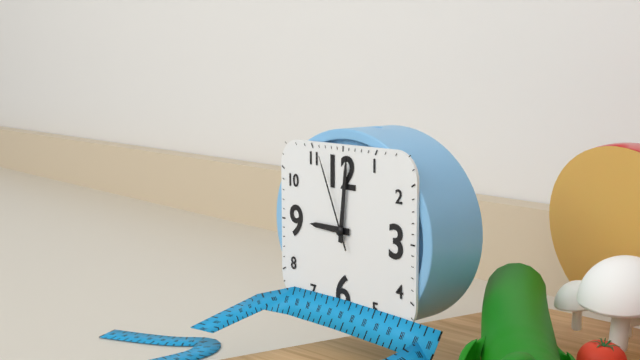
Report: 9 h 01 min 56 s
